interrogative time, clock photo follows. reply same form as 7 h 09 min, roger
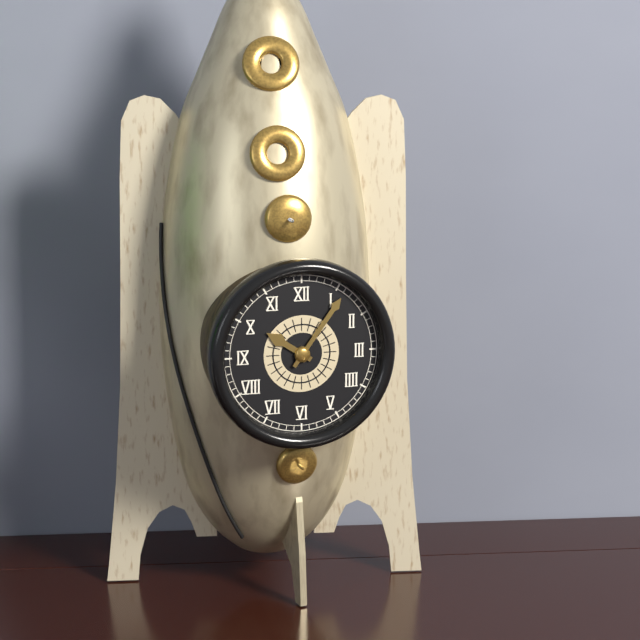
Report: 10 h 06 min
